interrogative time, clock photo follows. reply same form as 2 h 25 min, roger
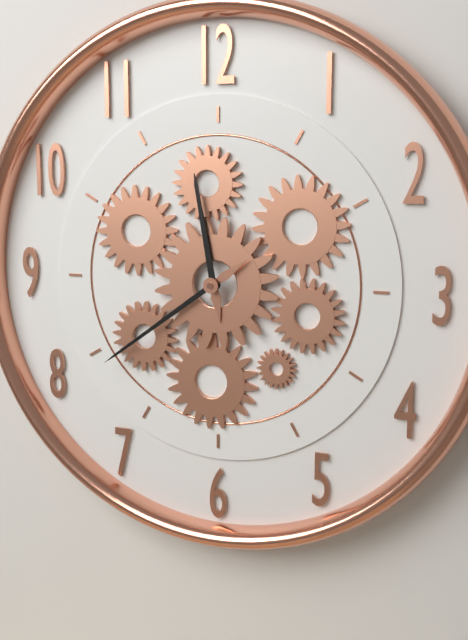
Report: 11 h 39 min
